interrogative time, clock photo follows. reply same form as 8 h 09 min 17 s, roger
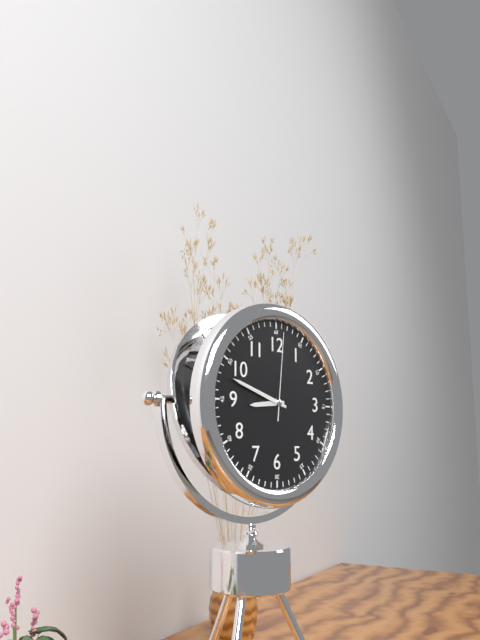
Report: 8 h 48 min 01 s
